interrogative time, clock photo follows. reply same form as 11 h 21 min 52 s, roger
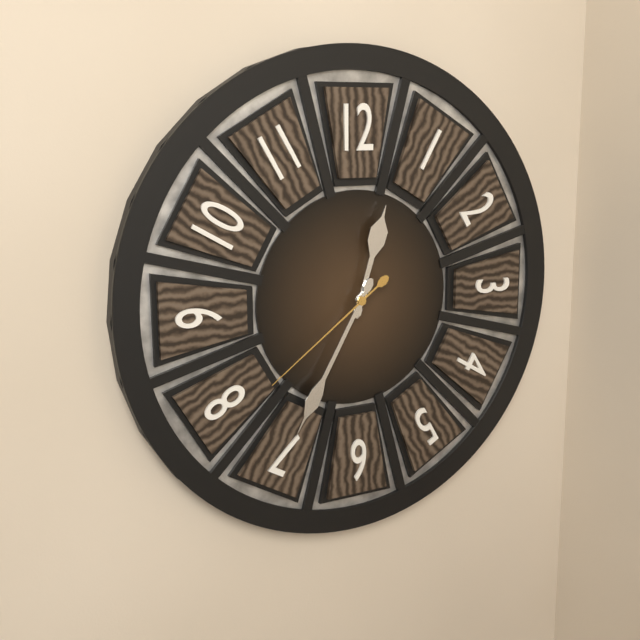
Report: 12 h 35 min 39 s
